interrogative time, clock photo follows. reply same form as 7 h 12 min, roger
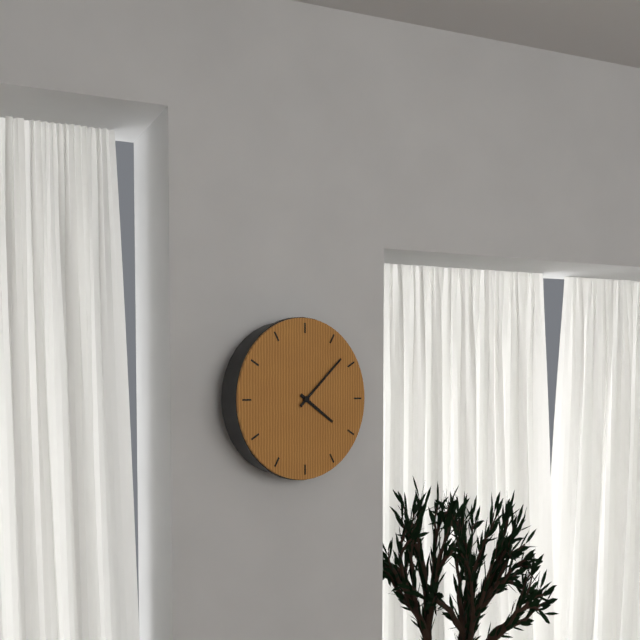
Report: 4 h 08 min
